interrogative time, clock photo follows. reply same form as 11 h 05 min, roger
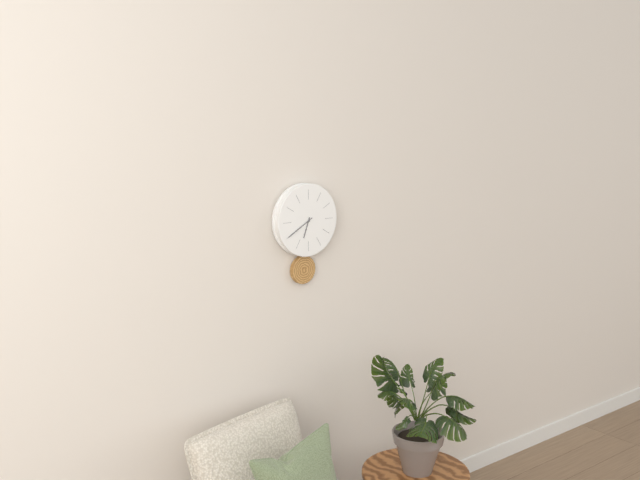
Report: 6 h 40 min
